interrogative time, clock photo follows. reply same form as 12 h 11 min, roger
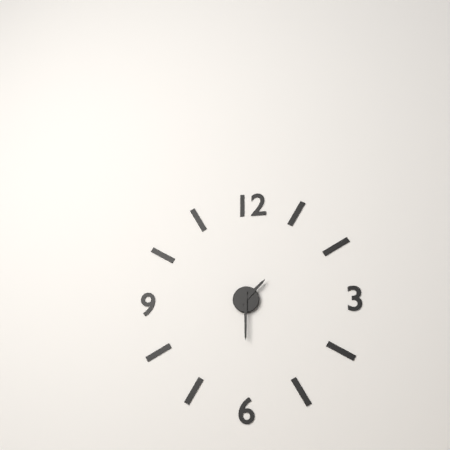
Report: 1 h 30 min
